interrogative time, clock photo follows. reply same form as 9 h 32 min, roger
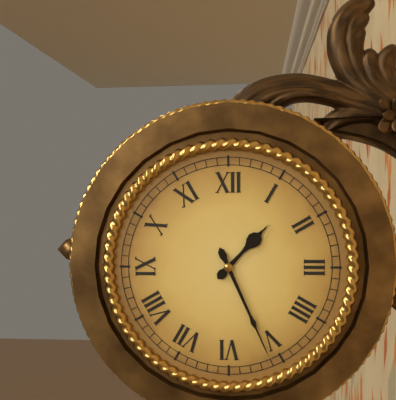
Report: 1 h 26 min
